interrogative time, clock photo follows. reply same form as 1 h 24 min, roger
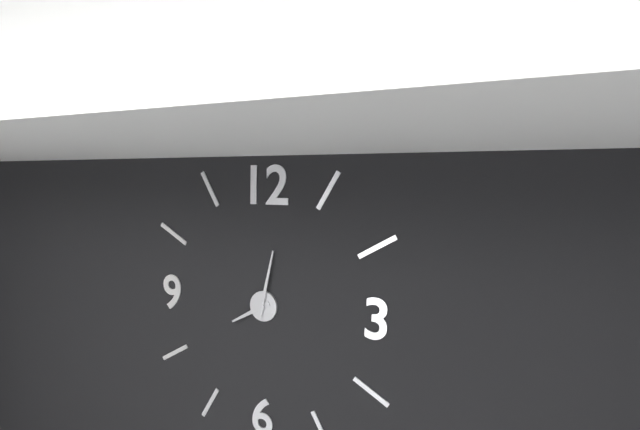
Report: 8 h 02 min
